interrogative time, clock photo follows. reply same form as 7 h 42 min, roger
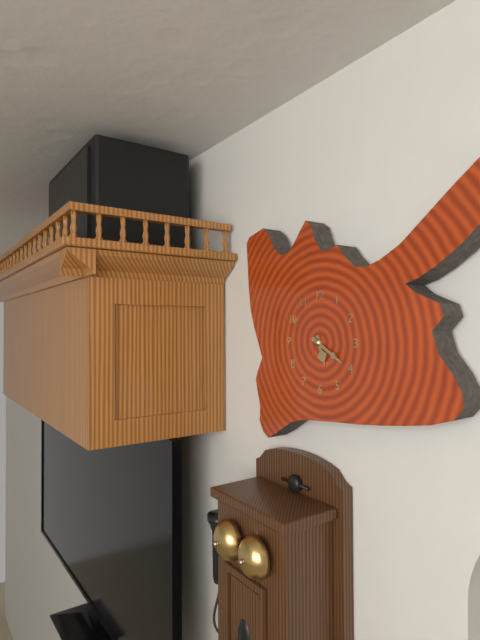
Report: 5 h 20 min
